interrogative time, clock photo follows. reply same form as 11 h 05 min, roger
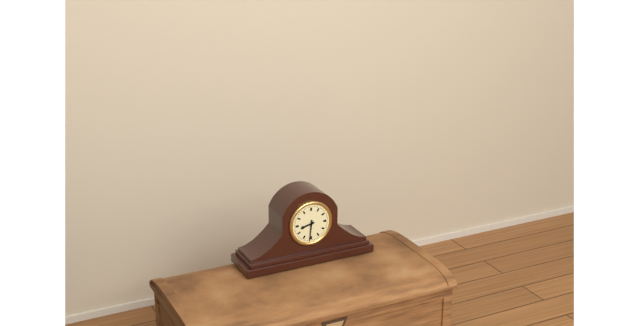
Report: 8 h 31 min
